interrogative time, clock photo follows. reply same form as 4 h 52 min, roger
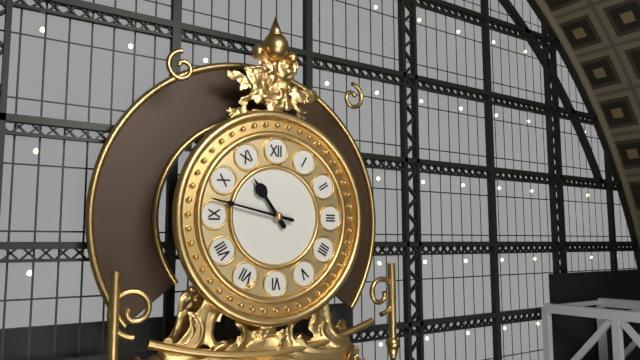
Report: 10 h 47 min
